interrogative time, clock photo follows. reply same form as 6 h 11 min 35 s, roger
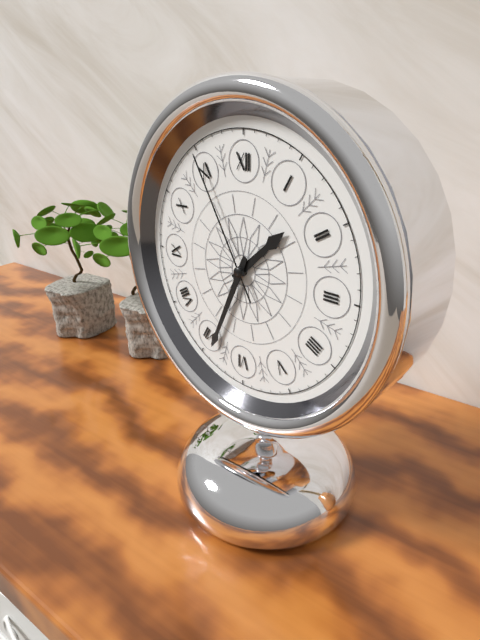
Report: 1 h 34 min 55 s
